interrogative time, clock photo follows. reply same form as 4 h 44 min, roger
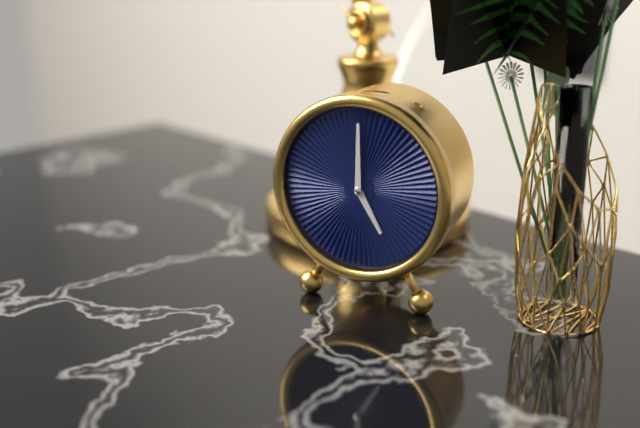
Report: 5 h 00 min
